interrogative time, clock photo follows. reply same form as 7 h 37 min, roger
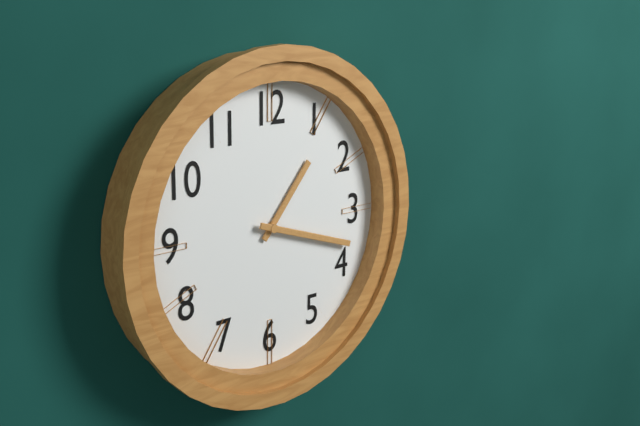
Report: 1 h 18 min
